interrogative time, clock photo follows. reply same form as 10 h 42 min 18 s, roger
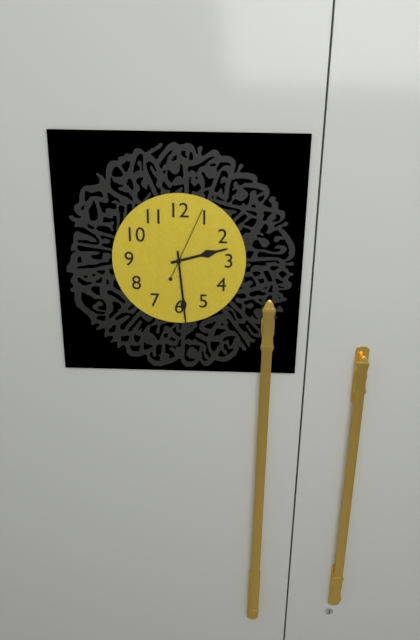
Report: 2 h 29 min 04 s
